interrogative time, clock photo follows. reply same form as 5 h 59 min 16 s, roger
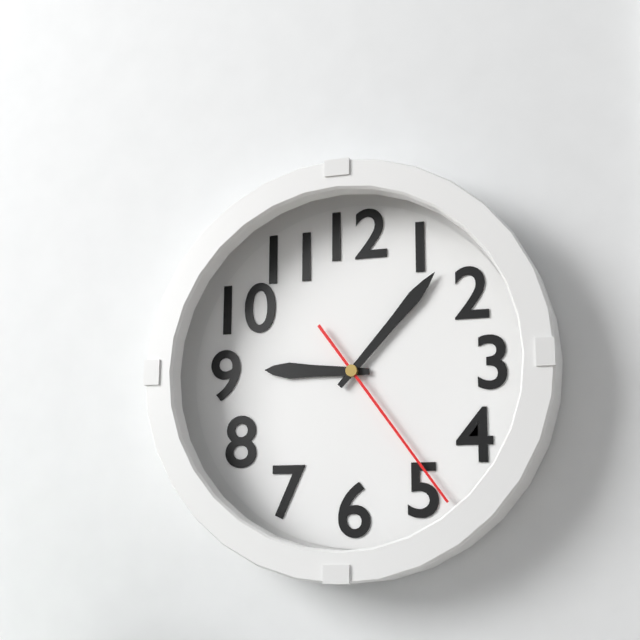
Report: 9 h 07 min 24 s
